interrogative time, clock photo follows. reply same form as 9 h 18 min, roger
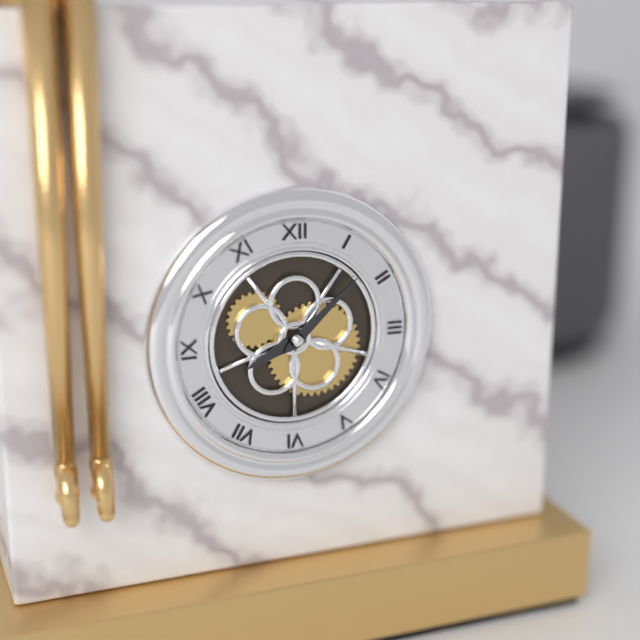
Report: 8 h 08 min
